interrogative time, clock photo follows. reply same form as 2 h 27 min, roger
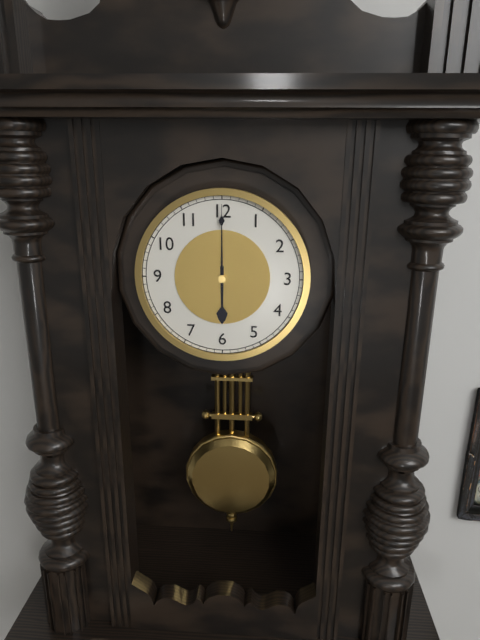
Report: 6 h 00 min
